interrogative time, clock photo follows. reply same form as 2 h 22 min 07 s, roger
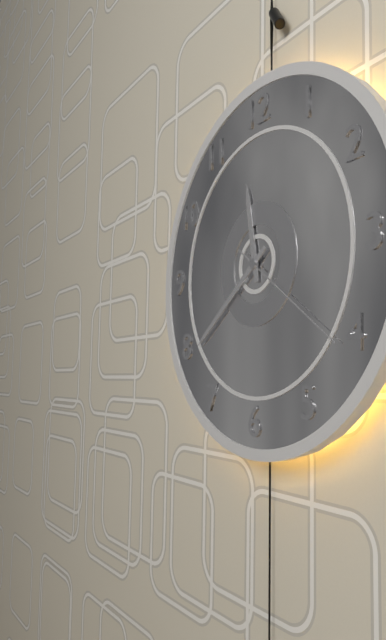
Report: 11 h 39 min 21 s
